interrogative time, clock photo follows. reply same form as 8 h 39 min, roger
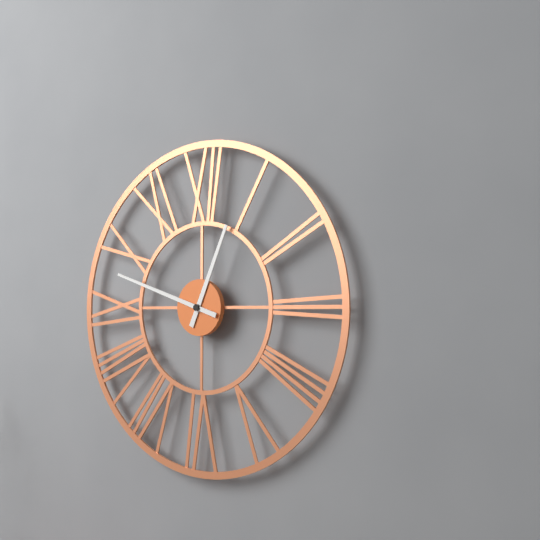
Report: 12 h 48 min
